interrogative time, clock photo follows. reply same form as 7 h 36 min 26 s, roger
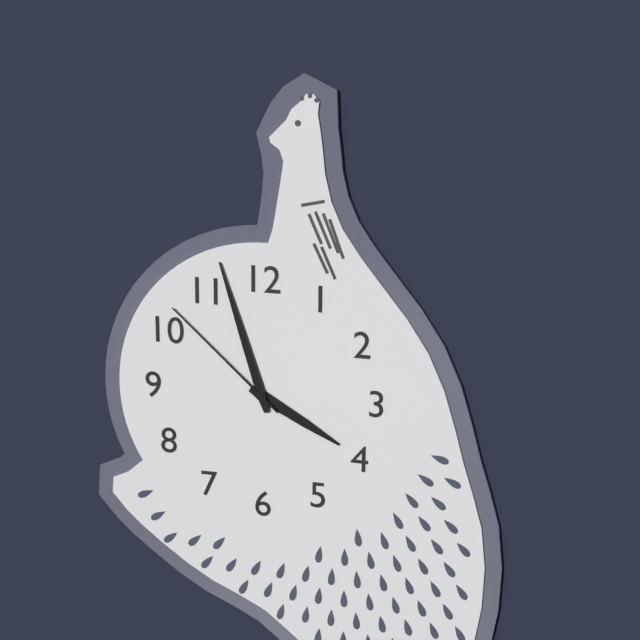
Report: 3 h 57 min 52 s
